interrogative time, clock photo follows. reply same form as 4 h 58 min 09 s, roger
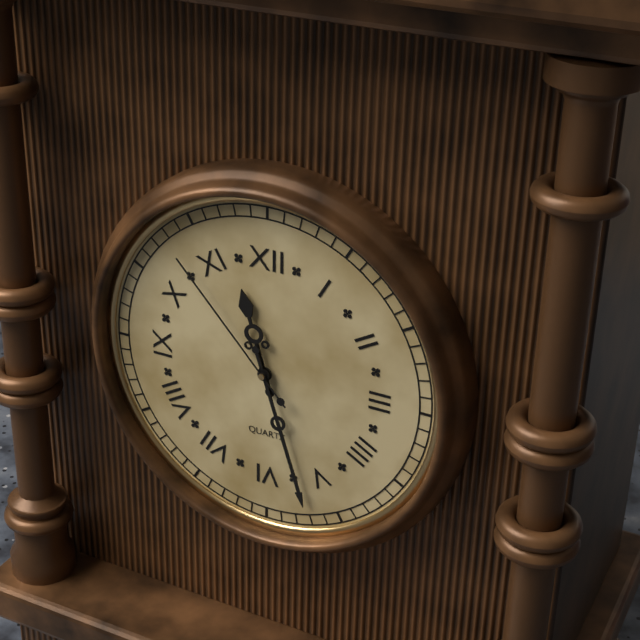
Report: 11 h 27 min 53 s
